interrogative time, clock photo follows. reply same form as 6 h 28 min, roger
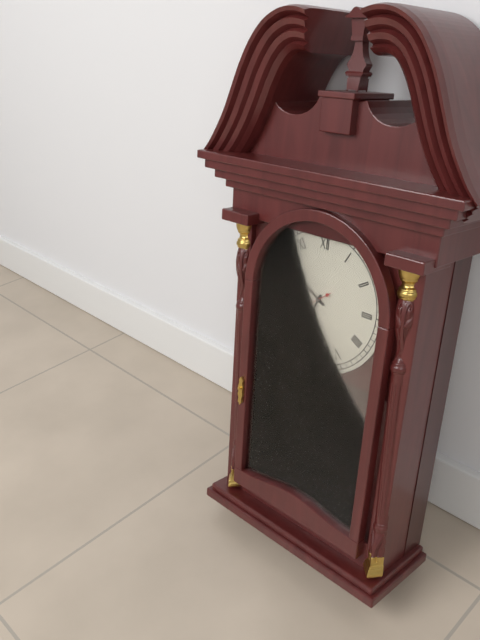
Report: 6 h 50 min
